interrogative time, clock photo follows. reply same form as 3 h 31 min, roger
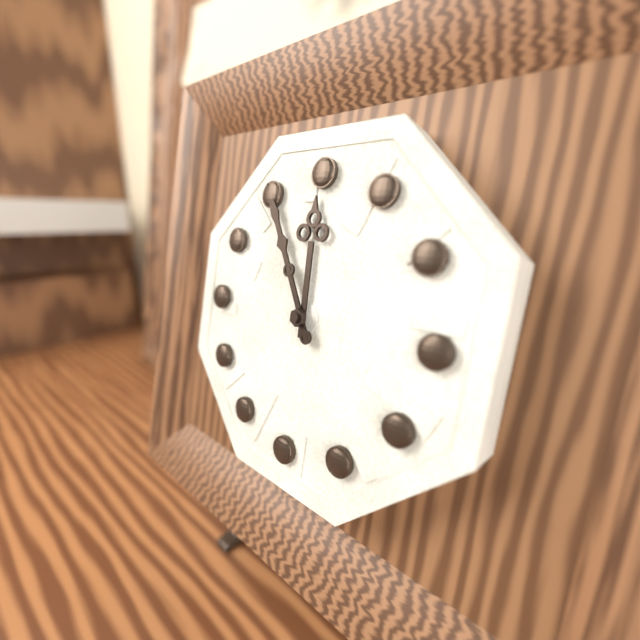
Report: 11 h 55 min
